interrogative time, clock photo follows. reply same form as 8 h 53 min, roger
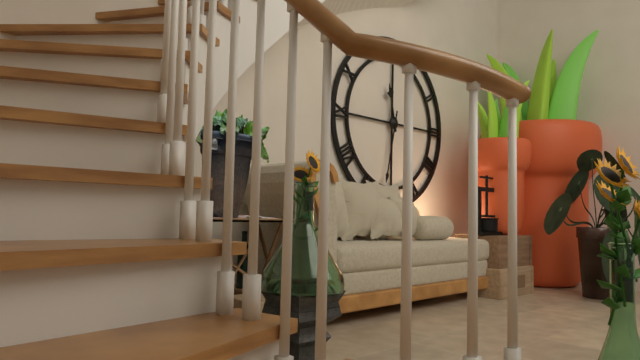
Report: 11 h 32 min
